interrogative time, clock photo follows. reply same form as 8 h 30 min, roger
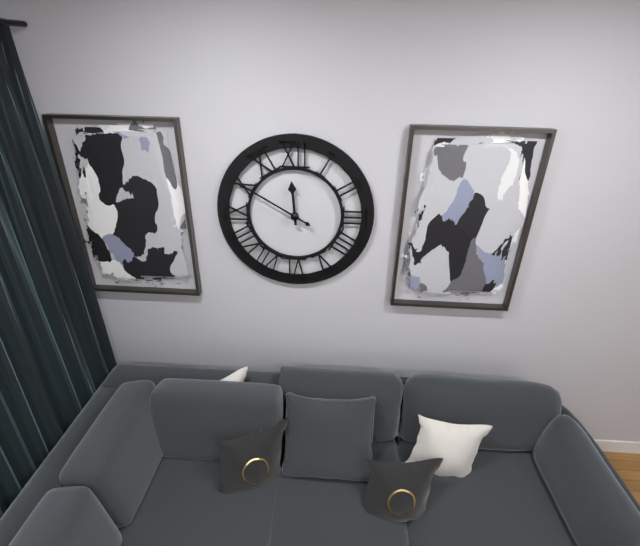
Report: 11 h 50 min
